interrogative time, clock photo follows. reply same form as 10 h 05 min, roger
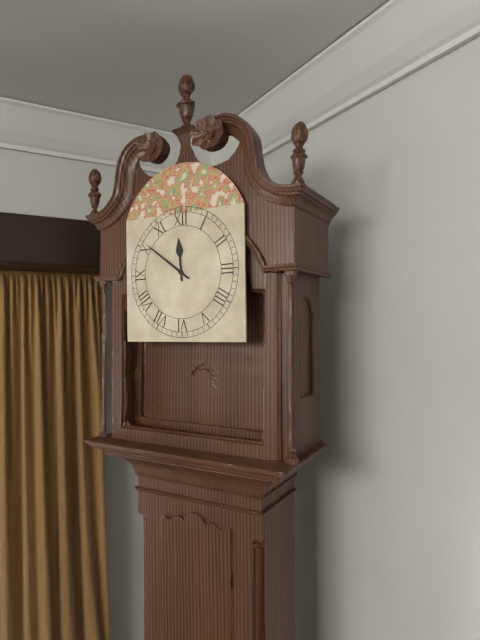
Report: 11 h 51 min
